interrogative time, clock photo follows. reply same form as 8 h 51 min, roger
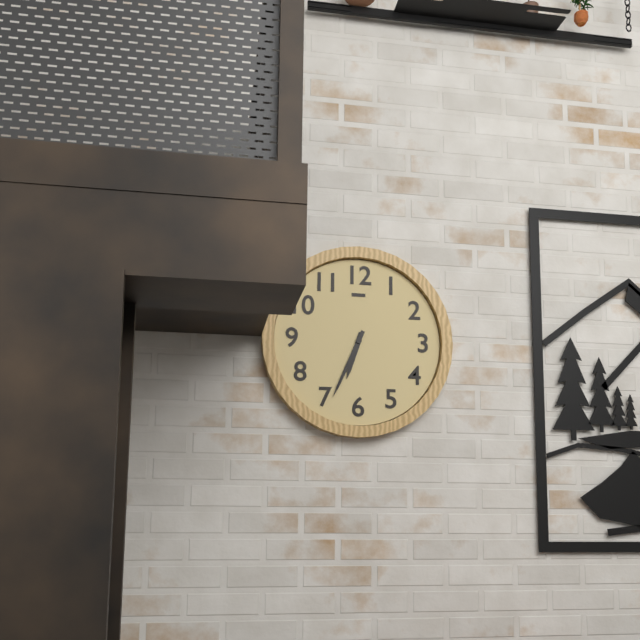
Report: 6 h 34 min
